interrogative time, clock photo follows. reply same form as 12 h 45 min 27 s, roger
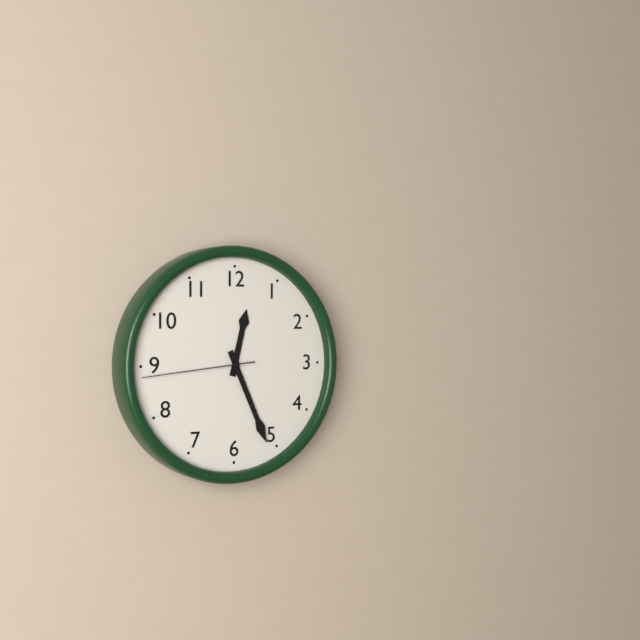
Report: 12 h 26 min 44 s
